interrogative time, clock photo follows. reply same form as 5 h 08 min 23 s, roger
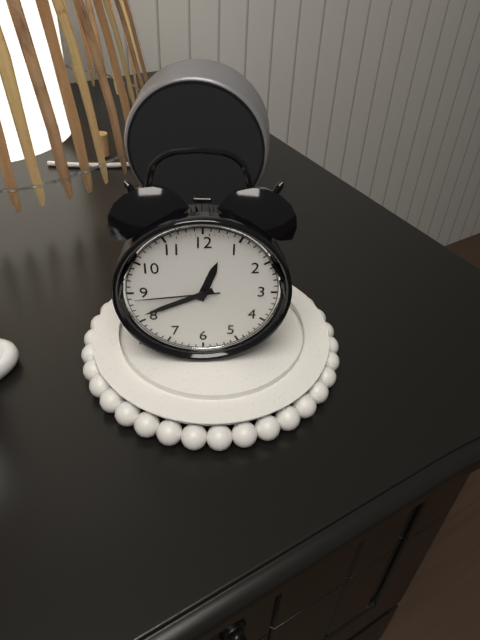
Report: 12 h 41 min 44 s
